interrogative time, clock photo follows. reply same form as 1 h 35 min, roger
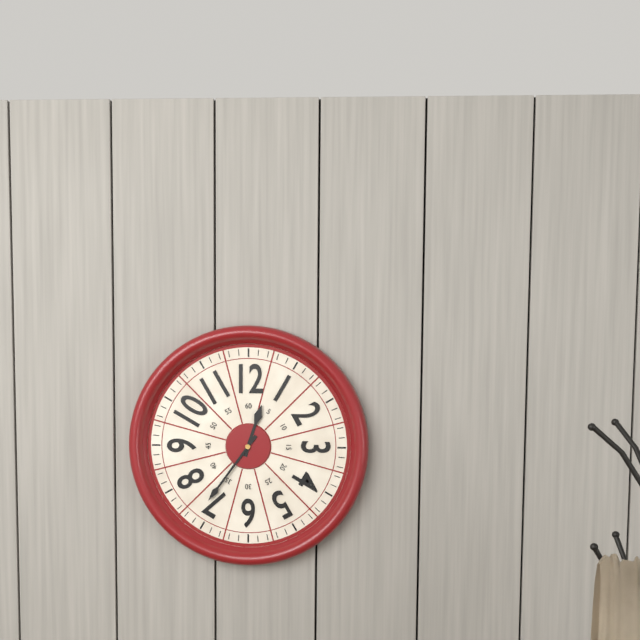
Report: 12 h 36 min
